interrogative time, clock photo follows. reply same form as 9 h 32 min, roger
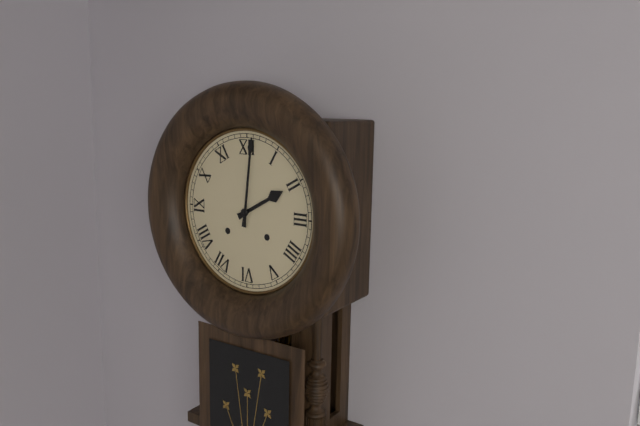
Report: 2 h 01 min
